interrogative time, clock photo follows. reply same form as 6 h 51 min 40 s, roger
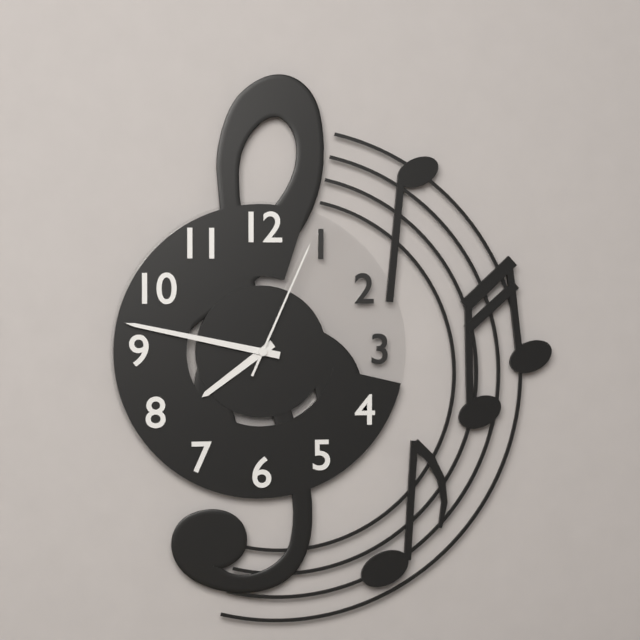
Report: 7 h 47 min 04 s
